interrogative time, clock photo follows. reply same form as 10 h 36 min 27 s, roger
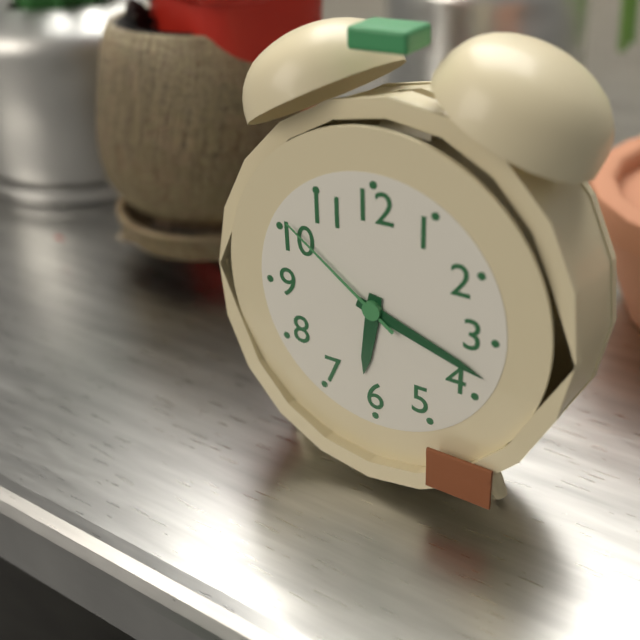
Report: 6 h 18 min 51 s
